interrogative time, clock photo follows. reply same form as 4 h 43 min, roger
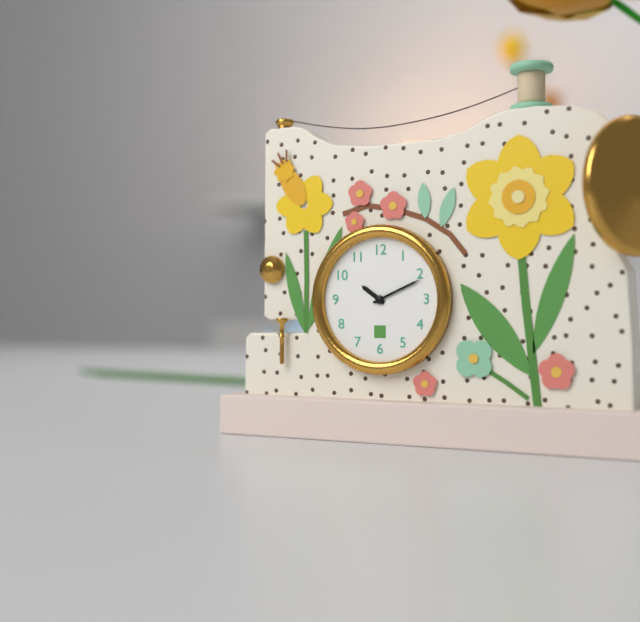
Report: 10 h 11 min
